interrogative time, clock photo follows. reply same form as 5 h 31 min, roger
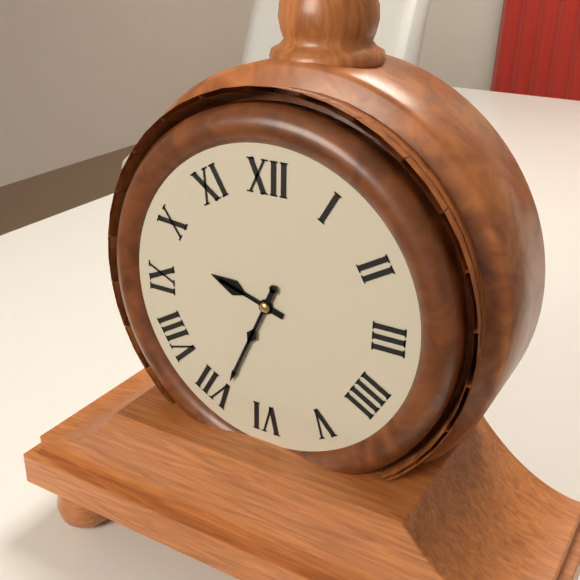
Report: 9 h 34 min
